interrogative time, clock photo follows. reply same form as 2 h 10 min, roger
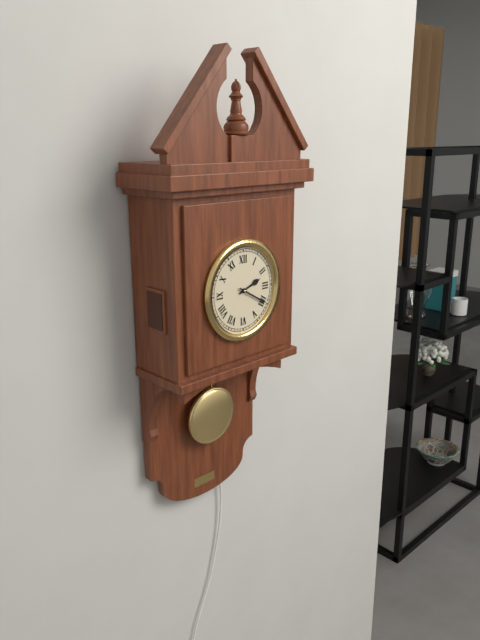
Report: 2 h 20 min
